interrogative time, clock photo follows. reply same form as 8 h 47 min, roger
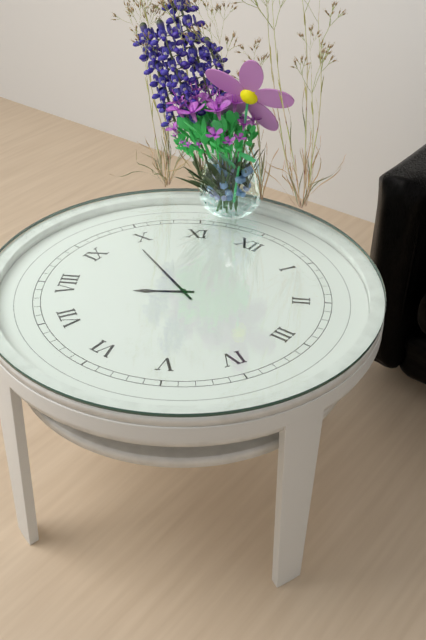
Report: 7 h 49 min
